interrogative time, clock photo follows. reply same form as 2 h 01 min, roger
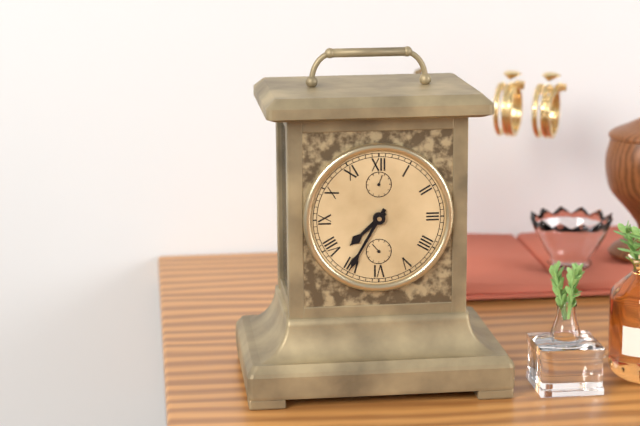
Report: 7 h 35 min
